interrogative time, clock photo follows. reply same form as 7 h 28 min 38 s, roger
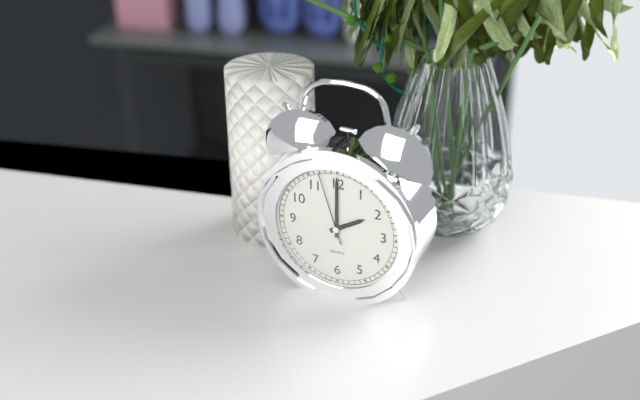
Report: 2 h 00 min 57 s
